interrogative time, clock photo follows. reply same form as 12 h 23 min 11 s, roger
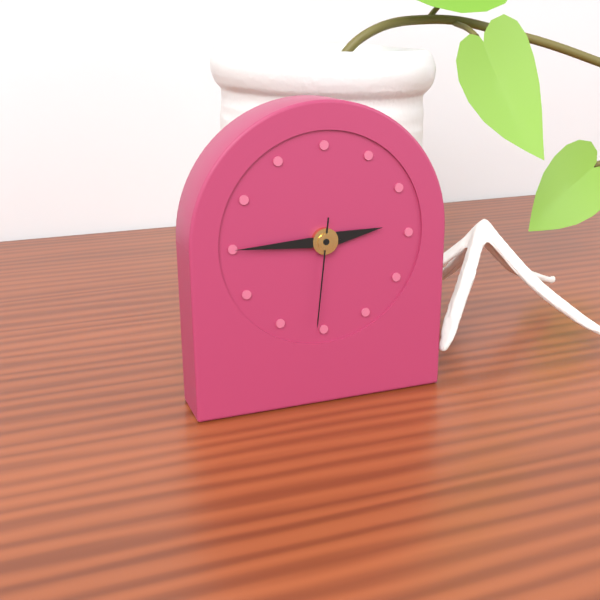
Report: 2 h 45 min 31 s
